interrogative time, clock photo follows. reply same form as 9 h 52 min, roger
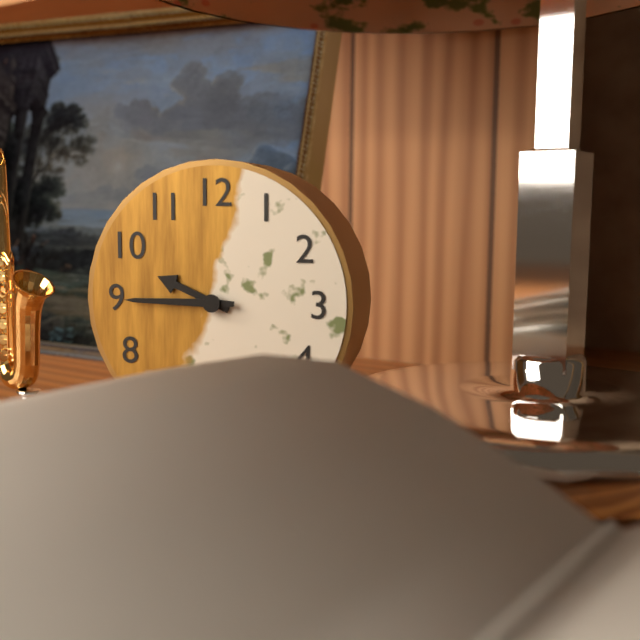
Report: 9 h 45 min
